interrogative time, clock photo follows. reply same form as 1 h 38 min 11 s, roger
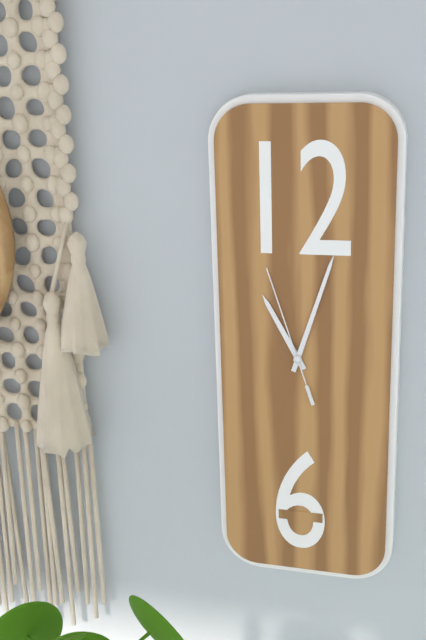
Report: 11 h 03 min 57 s
